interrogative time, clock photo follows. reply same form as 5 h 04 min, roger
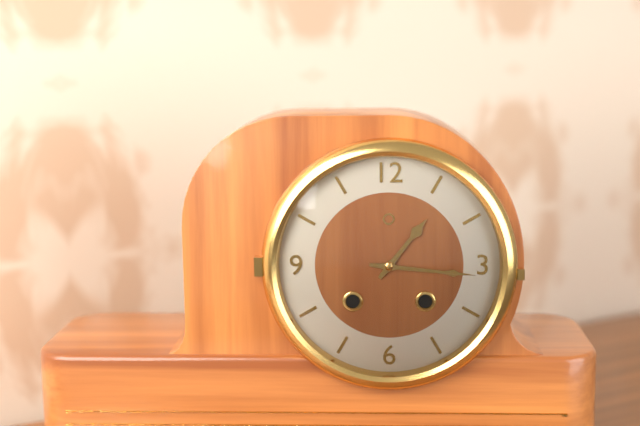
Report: 1 h 16 min
